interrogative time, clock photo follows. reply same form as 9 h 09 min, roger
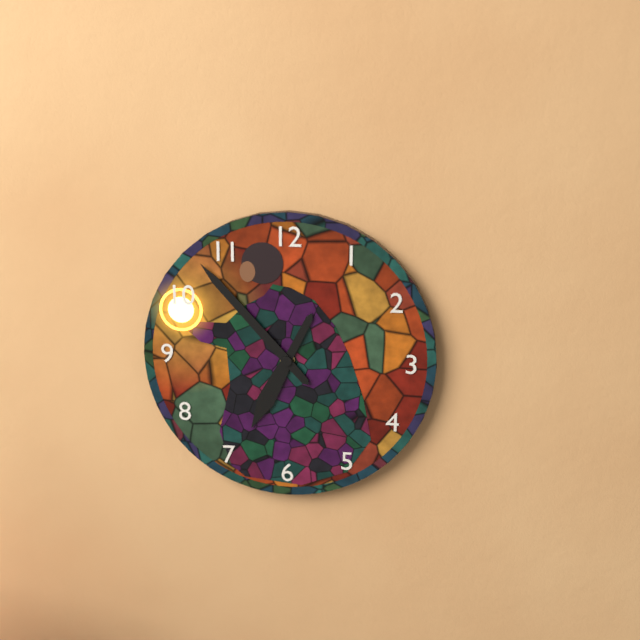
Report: 6 h 53 min
